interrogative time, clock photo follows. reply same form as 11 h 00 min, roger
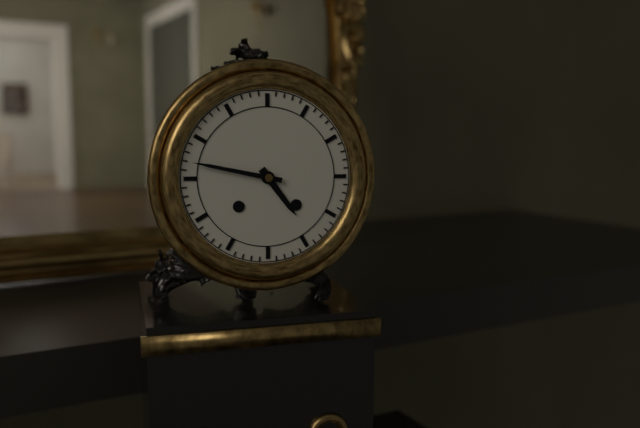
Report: 4 h 47 min
